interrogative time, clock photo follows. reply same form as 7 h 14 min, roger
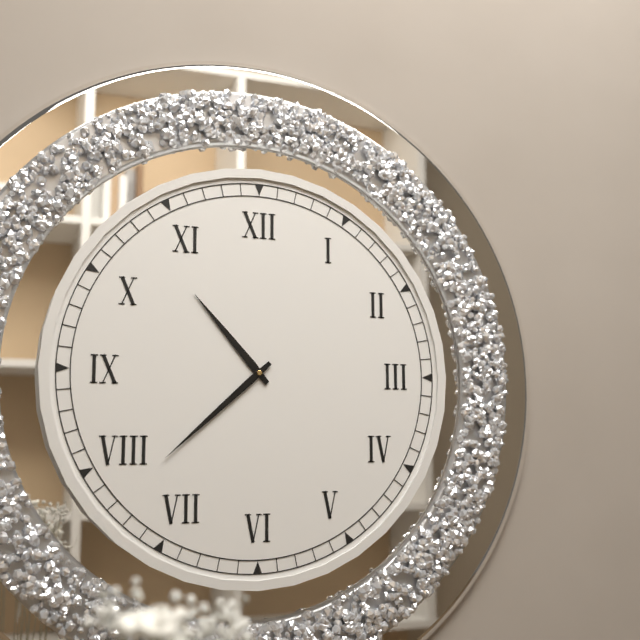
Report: 10 h 38 min
